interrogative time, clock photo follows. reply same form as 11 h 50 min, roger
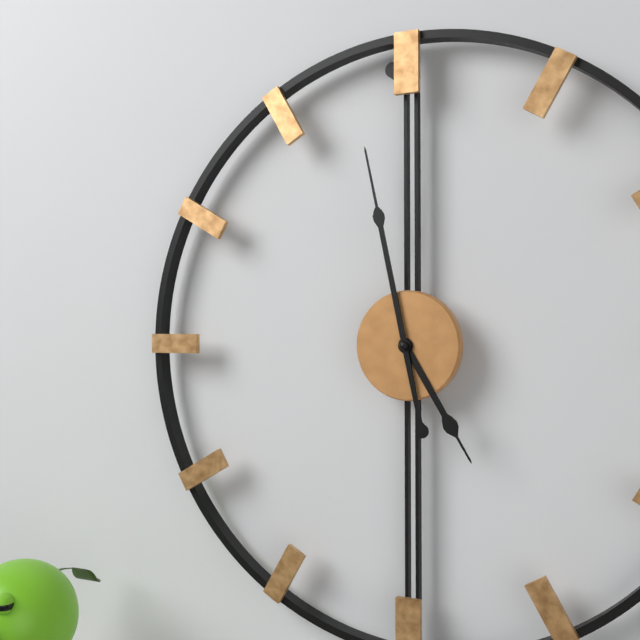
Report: 4 h 58 min
